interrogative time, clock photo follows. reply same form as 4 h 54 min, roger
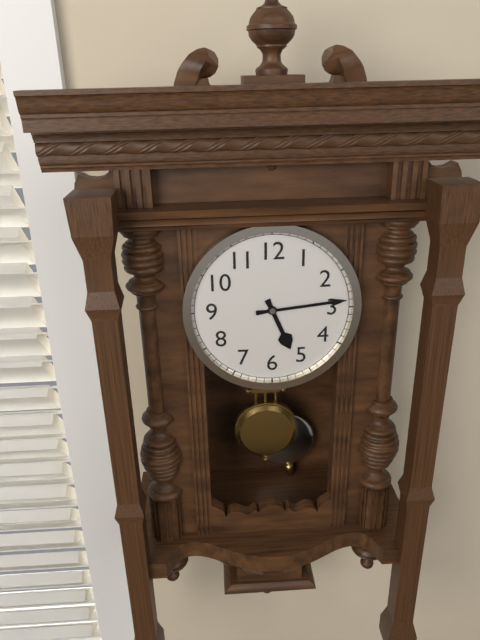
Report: 5 h 14 min
